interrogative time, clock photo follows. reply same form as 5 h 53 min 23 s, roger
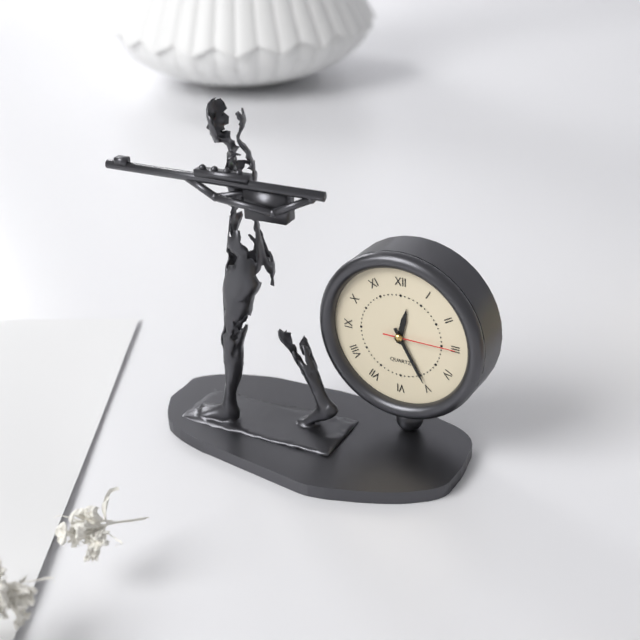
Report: 12 h 25 min 15 s
